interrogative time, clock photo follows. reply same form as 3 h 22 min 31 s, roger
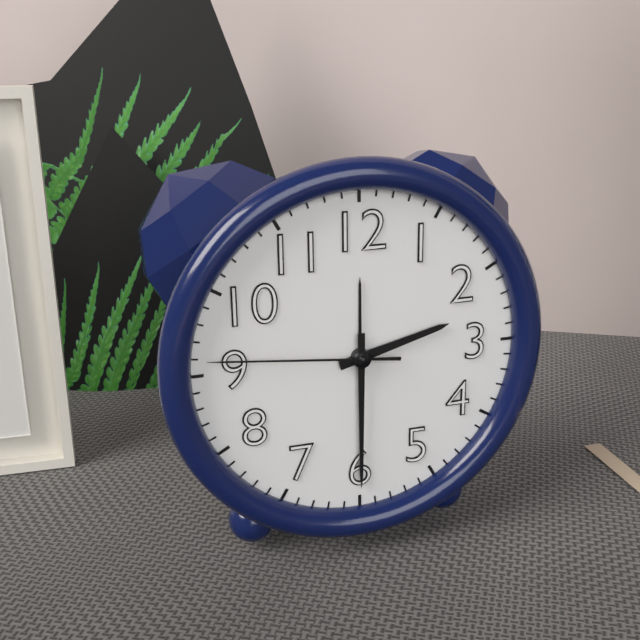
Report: 2 h 30 min 46 s
